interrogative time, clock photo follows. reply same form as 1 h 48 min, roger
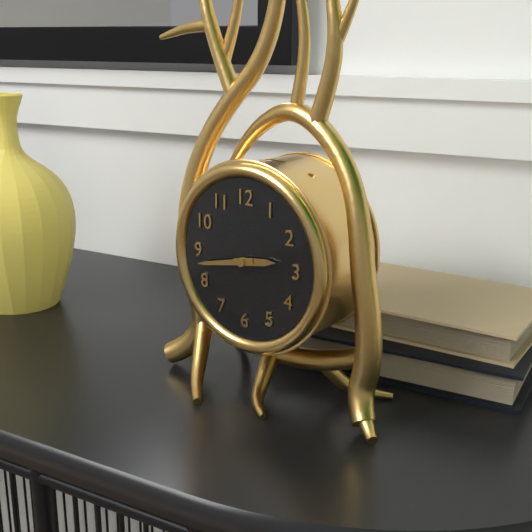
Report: 2 h 43 min
